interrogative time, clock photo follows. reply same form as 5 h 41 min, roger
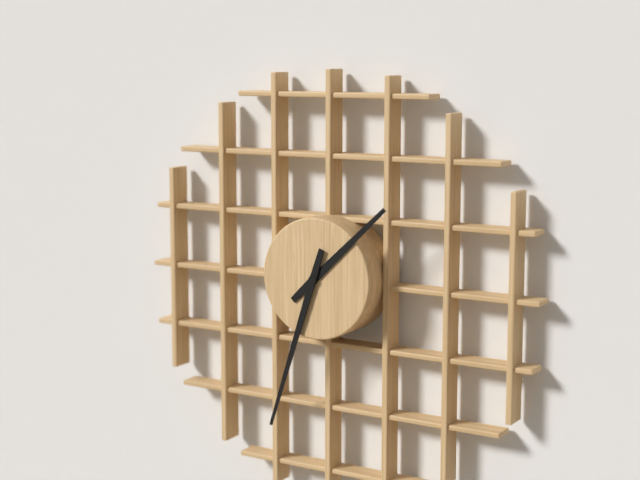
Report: 1 h 33 min
